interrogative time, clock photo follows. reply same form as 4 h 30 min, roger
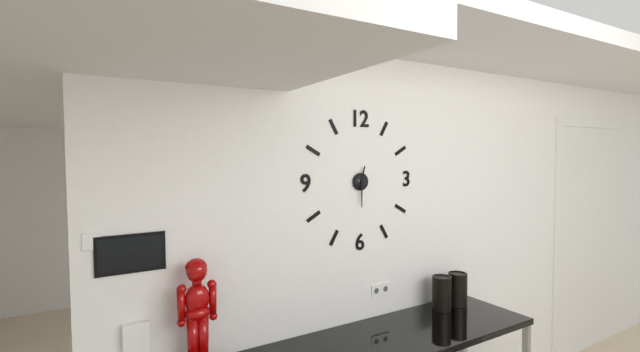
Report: 12 h 30 min
